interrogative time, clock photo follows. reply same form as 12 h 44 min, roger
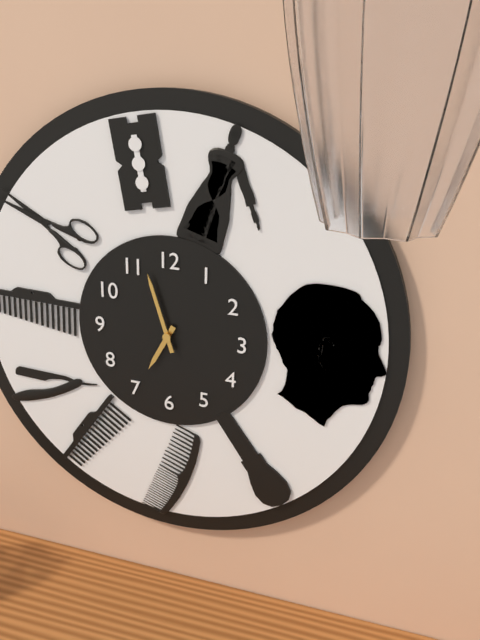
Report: 6 h 57 min
